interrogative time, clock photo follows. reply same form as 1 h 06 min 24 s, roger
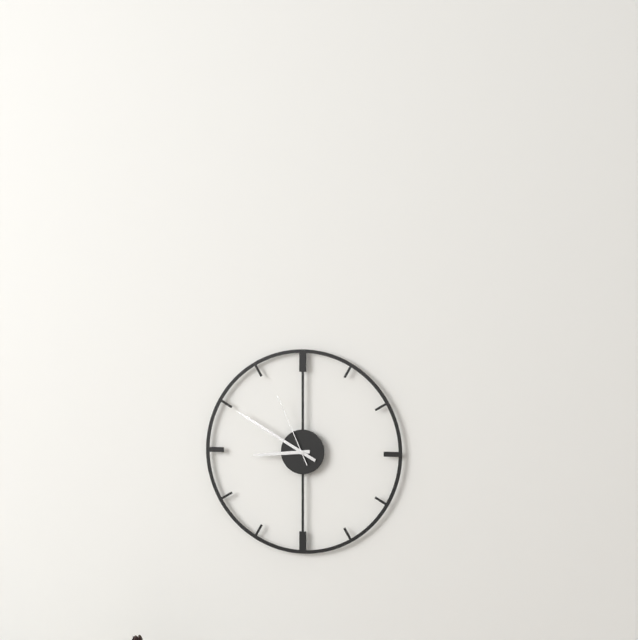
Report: 8 h 50 min 56 s
